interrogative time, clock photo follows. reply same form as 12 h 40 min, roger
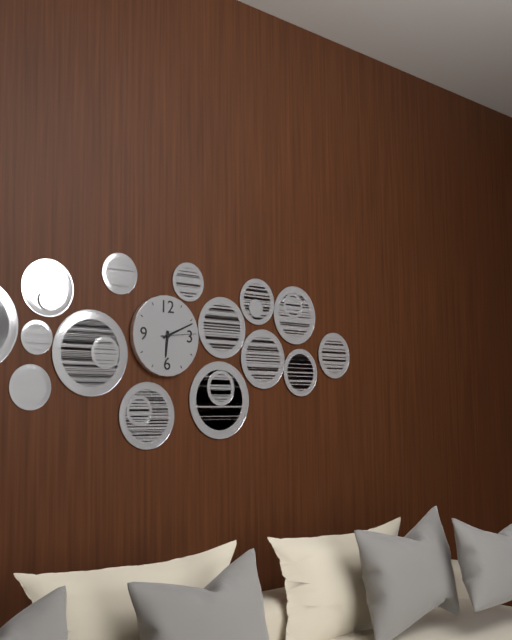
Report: 6 h 11 min
